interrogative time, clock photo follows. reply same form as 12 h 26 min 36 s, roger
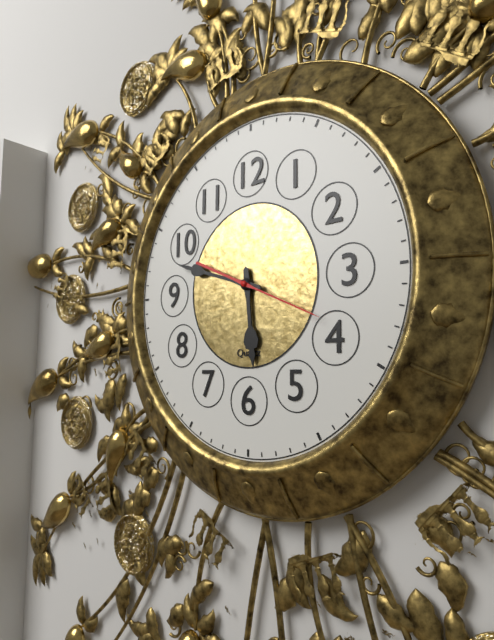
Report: 5 h 48 min 19 s
